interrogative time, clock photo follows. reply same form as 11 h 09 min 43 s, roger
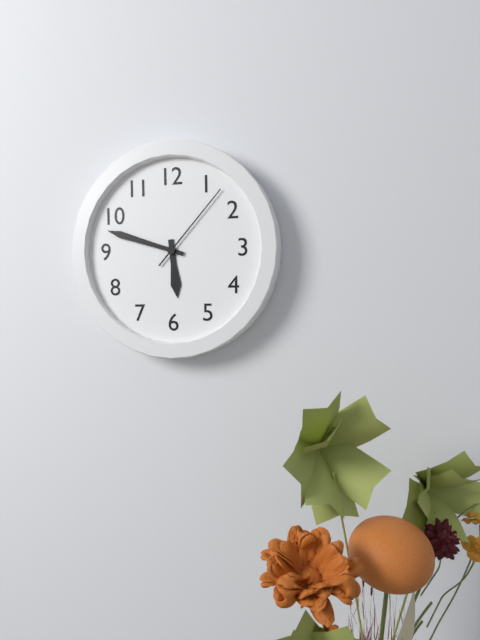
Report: 5 h 48 min 07 s
